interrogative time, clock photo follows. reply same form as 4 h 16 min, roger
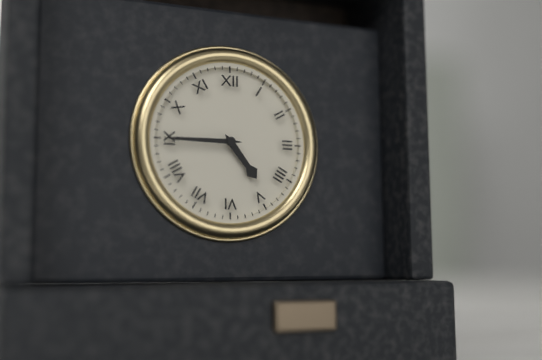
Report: 4 h 45 min
